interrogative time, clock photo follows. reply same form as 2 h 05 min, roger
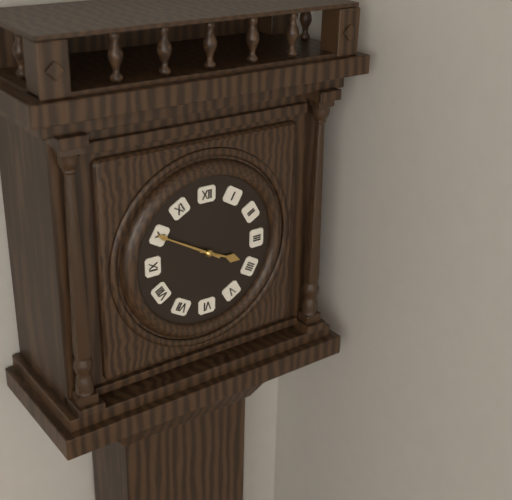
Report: 3 h 50 min
